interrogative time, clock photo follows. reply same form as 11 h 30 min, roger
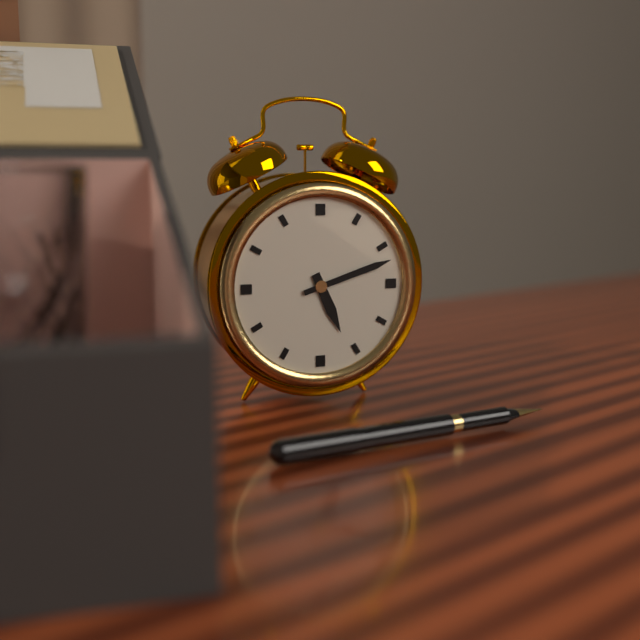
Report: 5 h 12 min
